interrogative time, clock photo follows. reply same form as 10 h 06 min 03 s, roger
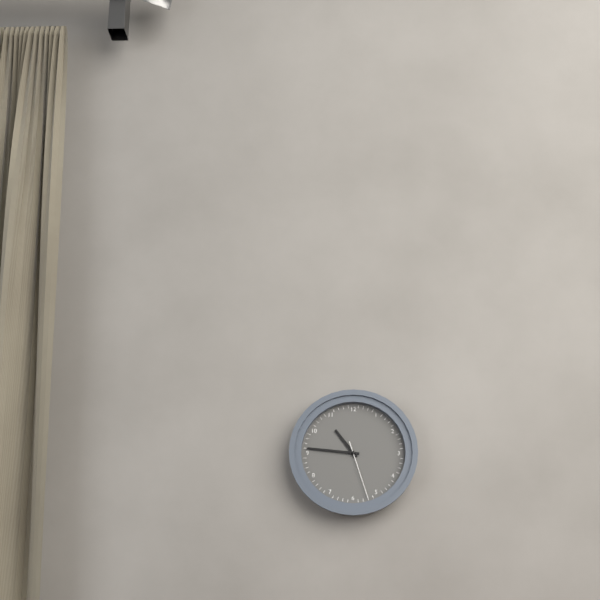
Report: 10 h 46 min 27 s
